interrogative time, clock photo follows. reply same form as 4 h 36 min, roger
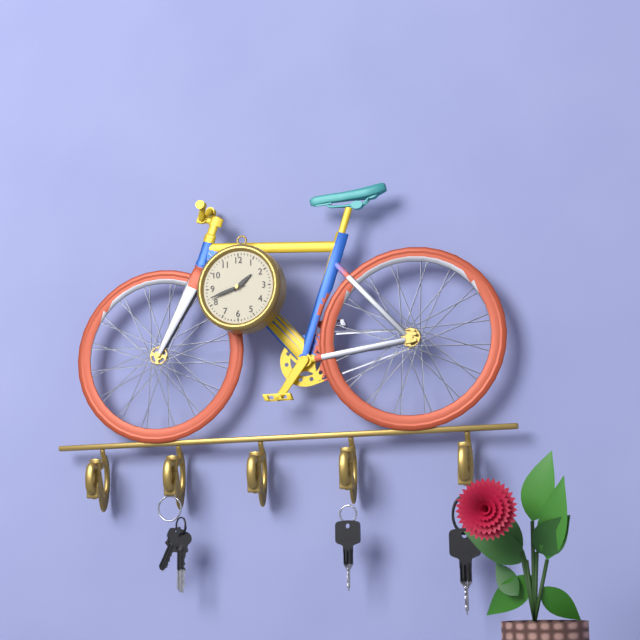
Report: 1 h 42 min
